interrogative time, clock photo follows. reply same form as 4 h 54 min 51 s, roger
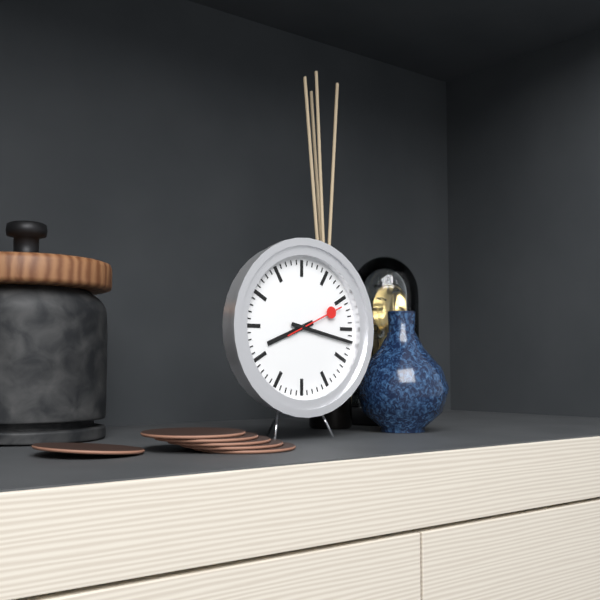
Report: 8 h 17 min 11 s
